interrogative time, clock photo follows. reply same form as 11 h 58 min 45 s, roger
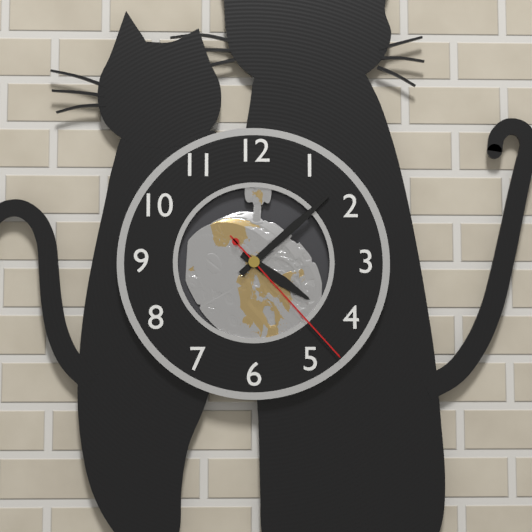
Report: 4 h 08 min 23 s
